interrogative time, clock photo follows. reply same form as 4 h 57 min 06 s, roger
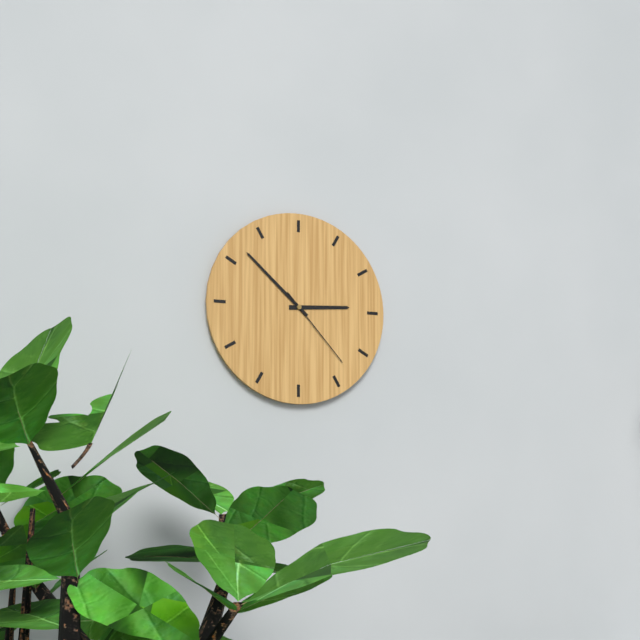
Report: 2 h 52 min 23 s
